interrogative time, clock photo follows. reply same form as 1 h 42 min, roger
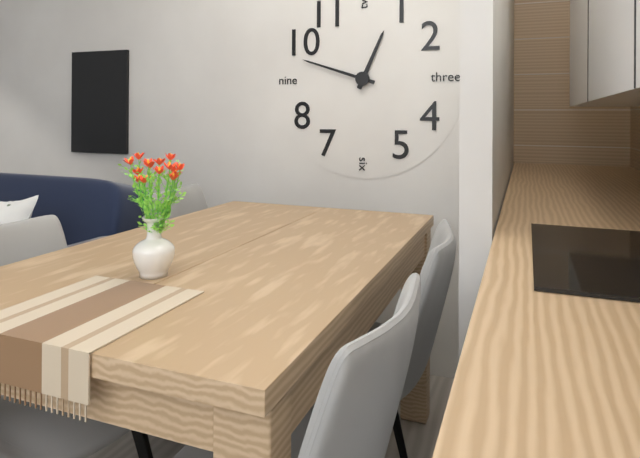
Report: 12 h 48 min
